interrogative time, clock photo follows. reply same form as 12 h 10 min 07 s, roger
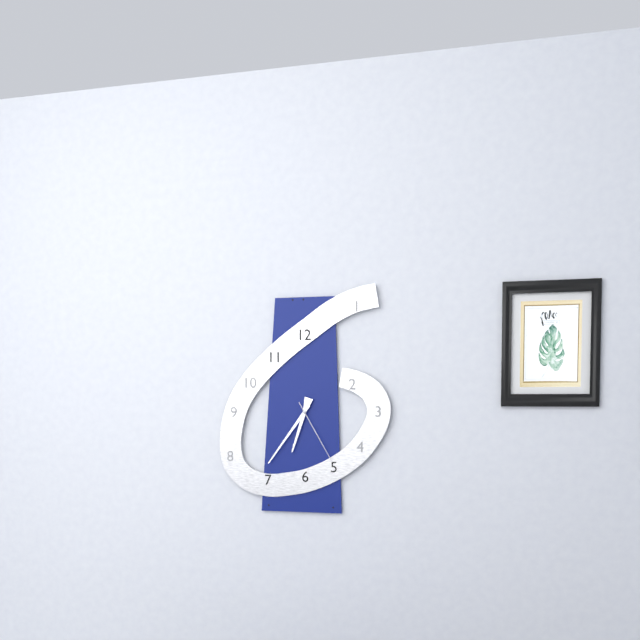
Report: 6 h 36 min 25 s
